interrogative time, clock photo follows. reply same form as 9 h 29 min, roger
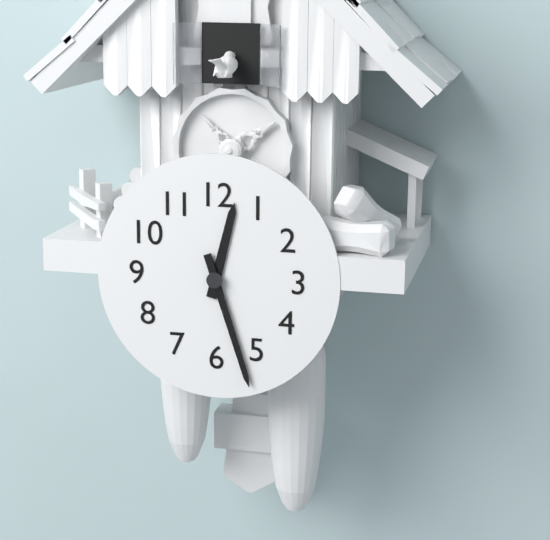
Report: 12 h 27 min
